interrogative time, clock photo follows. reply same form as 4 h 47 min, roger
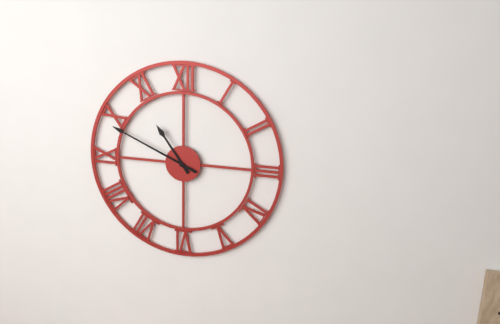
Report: 10 h 49 min
